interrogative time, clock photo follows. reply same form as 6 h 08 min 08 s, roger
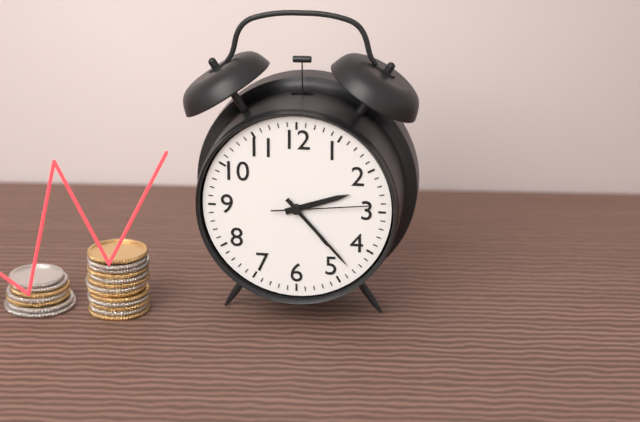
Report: 2 h 23 min 14 s
